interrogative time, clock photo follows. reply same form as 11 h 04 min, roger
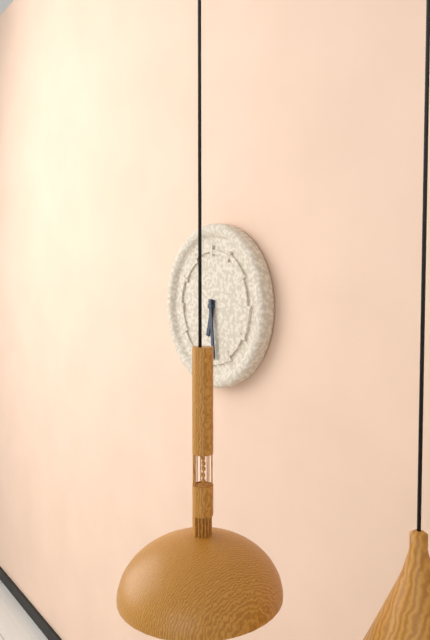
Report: 6 h 29 min
